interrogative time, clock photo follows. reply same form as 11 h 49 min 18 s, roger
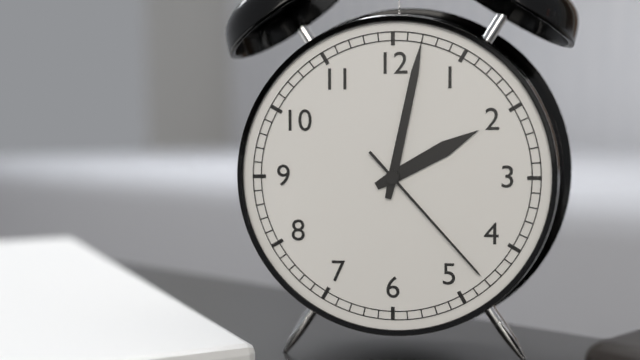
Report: 2 h 02 min 23 s
